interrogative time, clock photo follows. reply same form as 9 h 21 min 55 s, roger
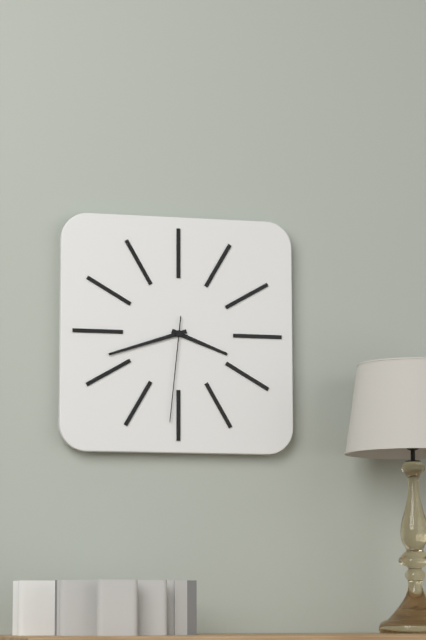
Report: 3 h 42 min 31 s
